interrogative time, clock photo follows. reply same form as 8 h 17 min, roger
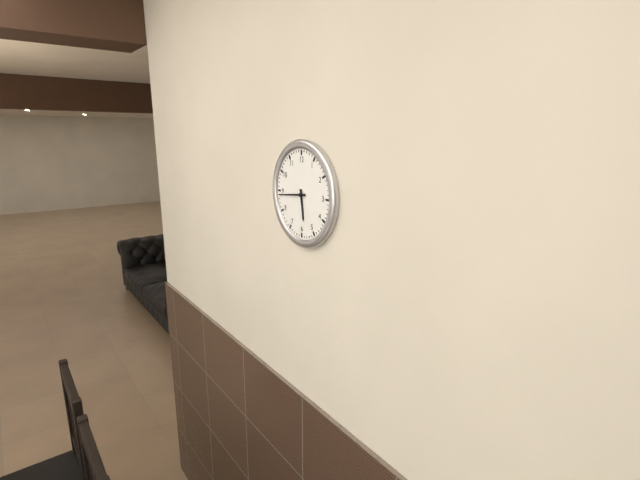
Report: 5 h 44 min
